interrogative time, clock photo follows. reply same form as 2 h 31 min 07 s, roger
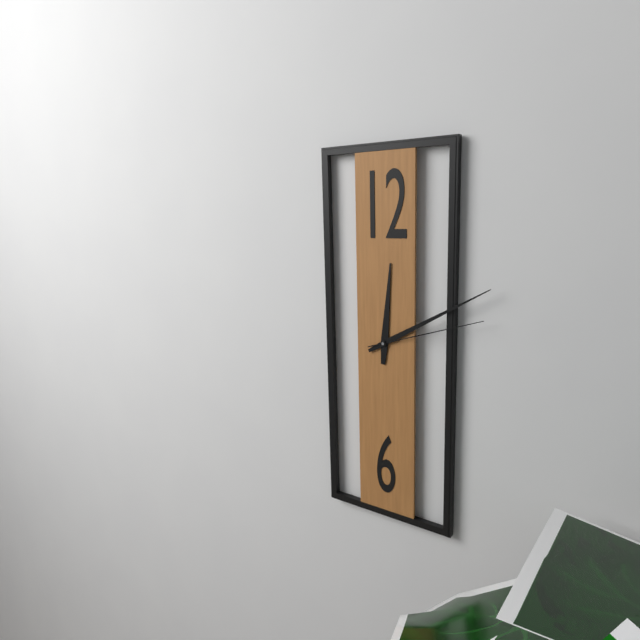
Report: 12 h 10 min 12 s
